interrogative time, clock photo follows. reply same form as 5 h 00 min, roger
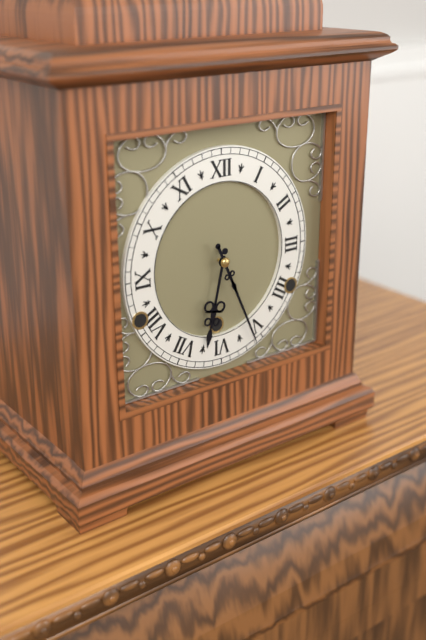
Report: 6 h 26 min
